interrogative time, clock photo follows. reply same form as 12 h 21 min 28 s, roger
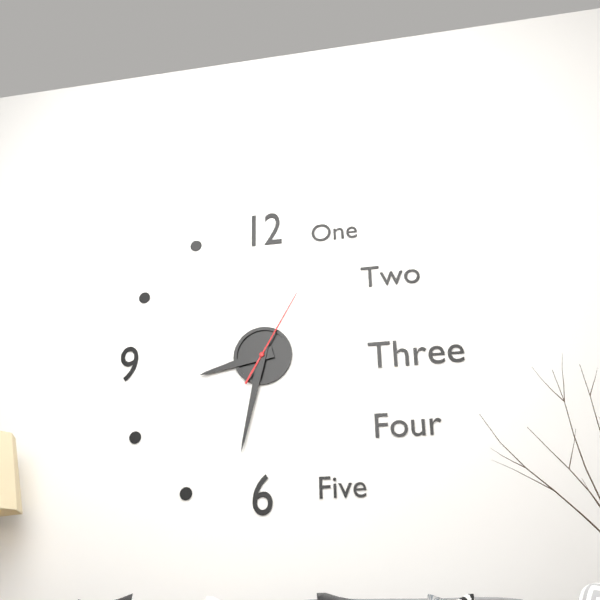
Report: 8 h 32 min 05 s
